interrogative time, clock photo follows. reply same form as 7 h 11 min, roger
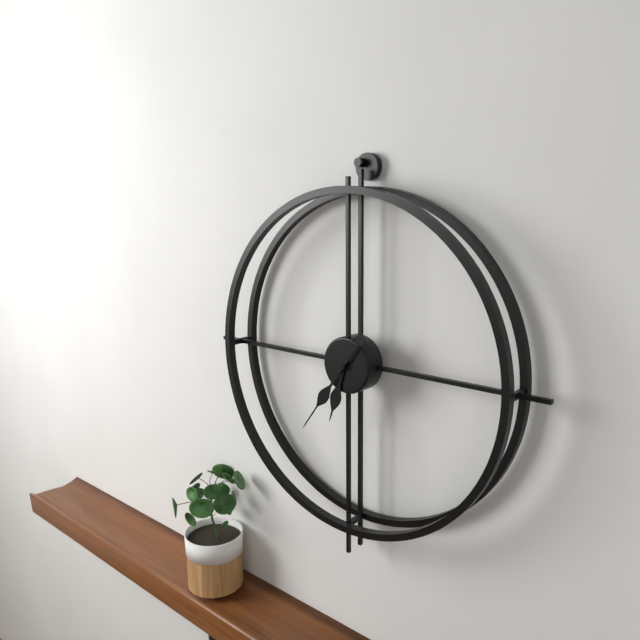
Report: 6 h 36 min
